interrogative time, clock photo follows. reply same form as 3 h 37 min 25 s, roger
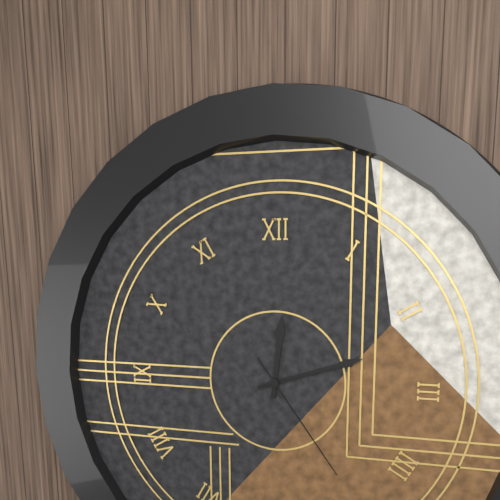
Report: 12 h 12 min 24 s
